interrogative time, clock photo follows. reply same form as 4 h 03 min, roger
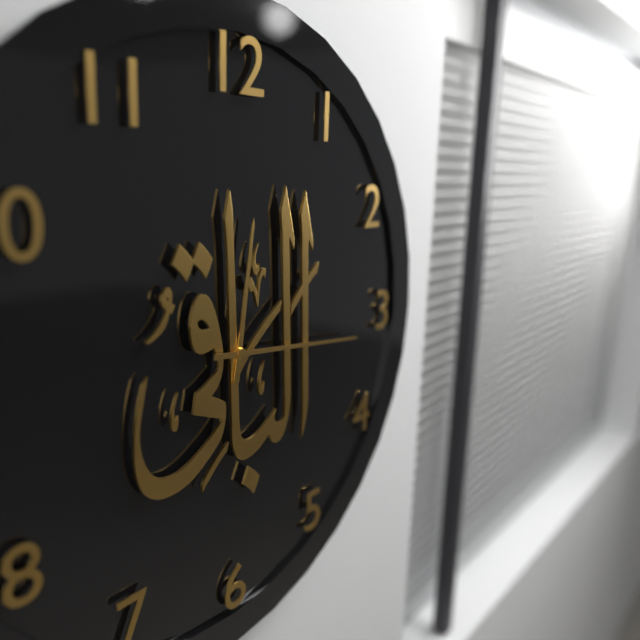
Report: 12 h 16 min
